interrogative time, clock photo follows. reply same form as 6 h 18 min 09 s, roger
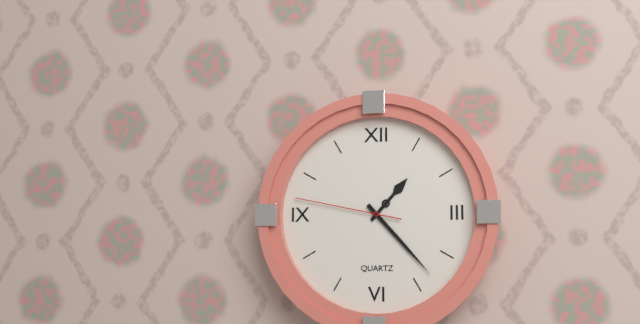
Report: 1 h 23 min 47 s
